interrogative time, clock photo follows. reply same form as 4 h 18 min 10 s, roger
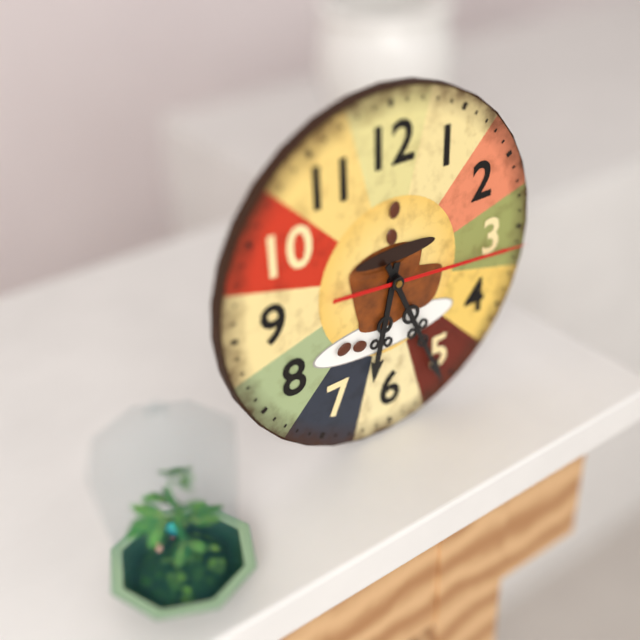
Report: 6 h 26 min 16 s
